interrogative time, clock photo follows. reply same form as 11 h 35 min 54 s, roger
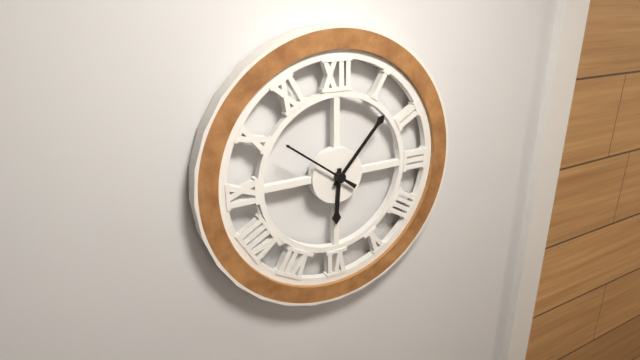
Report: 6 h 07 min 51 s
